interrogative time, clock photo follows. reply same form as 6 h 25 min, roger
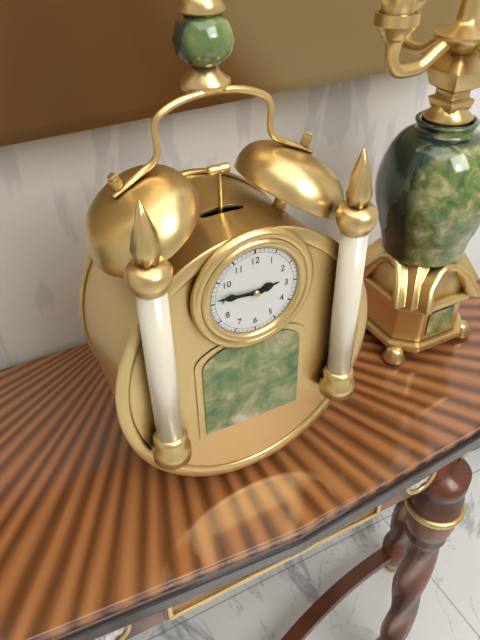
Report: 2 h 46 min
